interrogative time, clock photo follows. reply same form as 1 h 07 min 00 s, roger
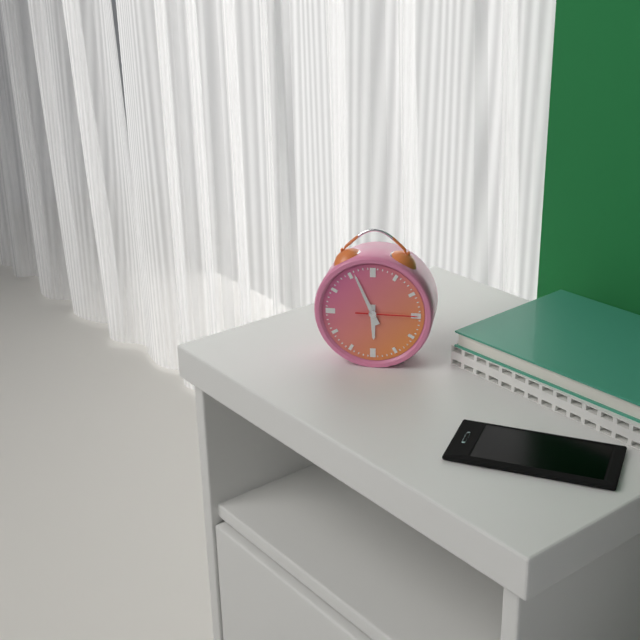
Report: 5 h 56 min 15 s
